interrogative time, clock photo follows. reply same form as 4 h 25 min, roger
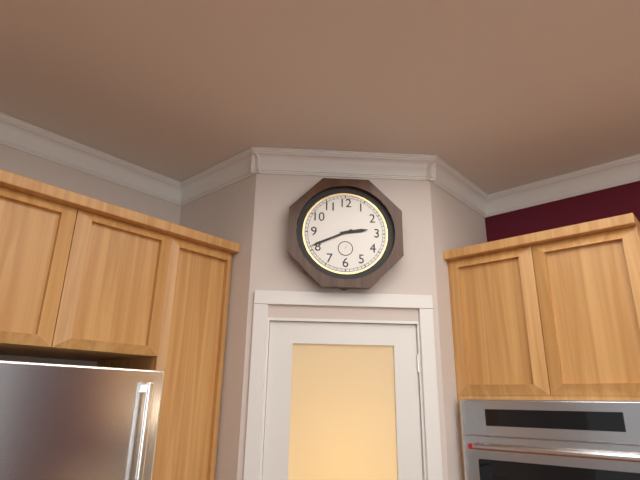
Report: 2 h 41 min
